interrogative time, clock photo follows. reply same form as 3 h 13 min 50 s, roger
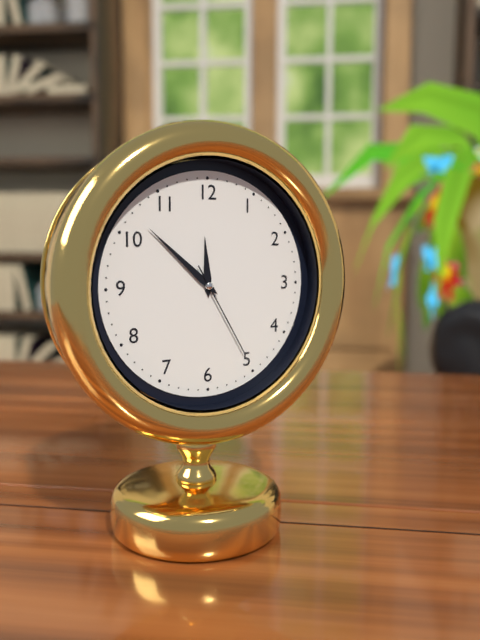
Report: 11 h 52 min 25 s
